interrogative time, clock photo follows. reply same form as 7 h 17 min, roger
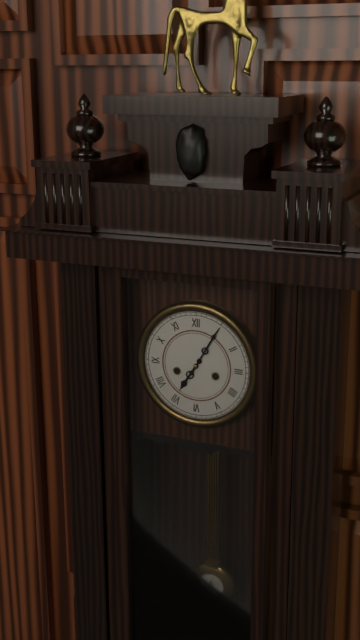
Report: 7 h 05 min
